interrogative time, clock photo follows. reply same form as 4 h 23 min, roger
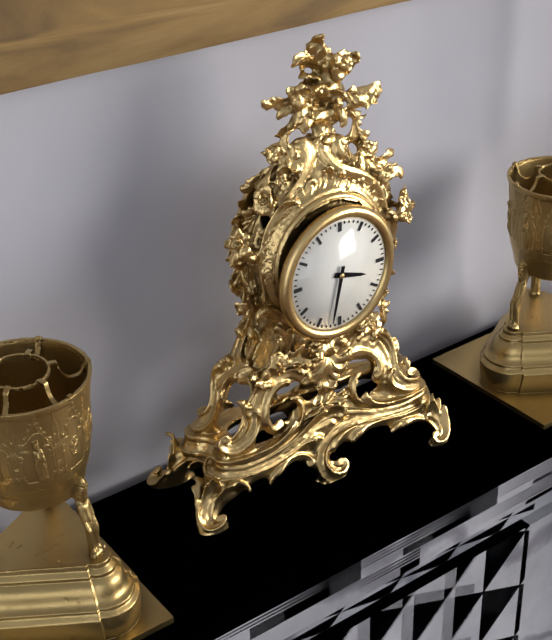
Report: 3 h 32 min
